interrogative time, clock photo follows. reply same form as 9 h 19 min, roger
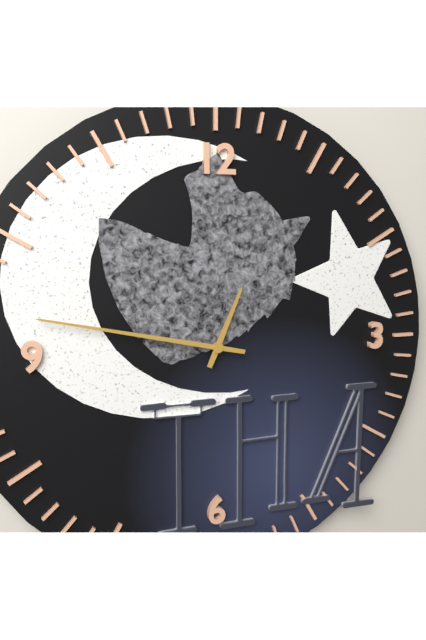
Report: 12 h 47 min
